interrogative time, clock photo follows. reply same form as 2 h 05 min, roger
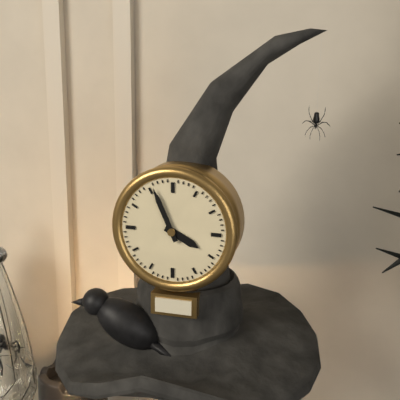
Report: 3 h 56 min
